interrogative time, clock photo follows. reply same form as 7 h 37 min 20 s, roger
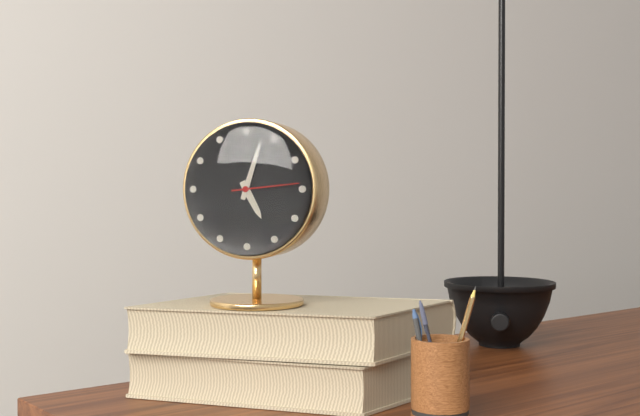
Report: 5 h 03 min 14 s
